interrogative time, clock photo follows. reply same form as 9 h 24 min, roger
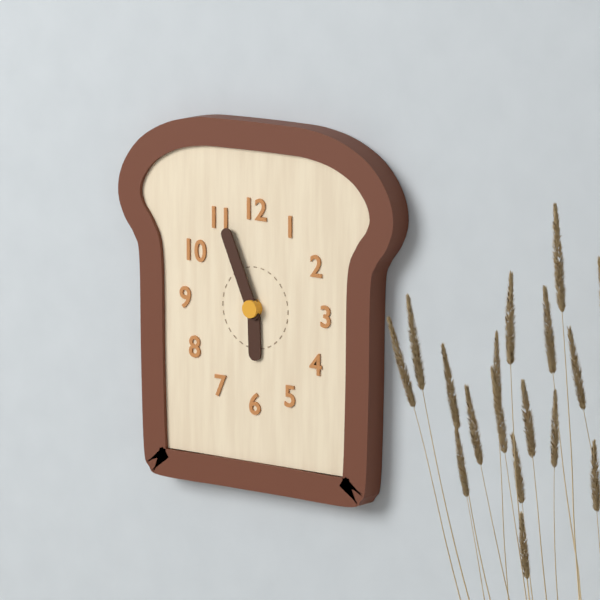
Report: 5 h 56 min
